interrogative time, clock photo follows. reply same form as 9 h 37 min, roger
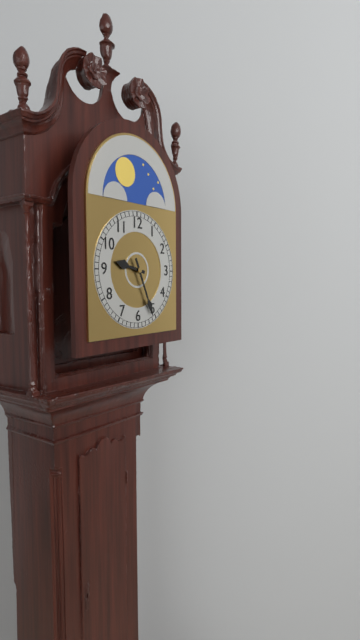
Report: 9 h 26 min
